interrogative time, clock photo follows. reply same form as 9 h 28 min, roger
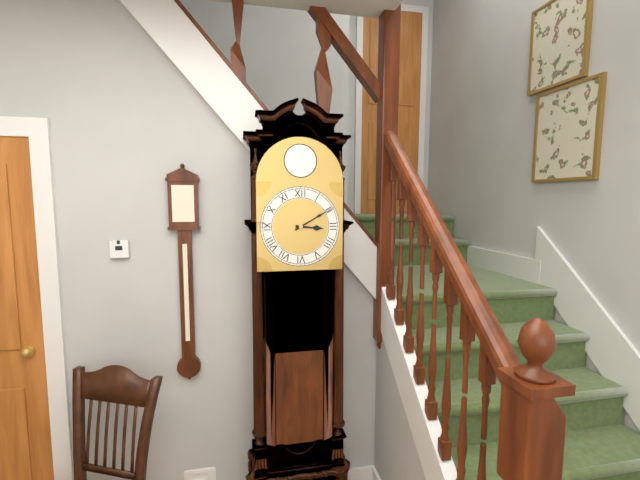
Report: 3 h 10 min
